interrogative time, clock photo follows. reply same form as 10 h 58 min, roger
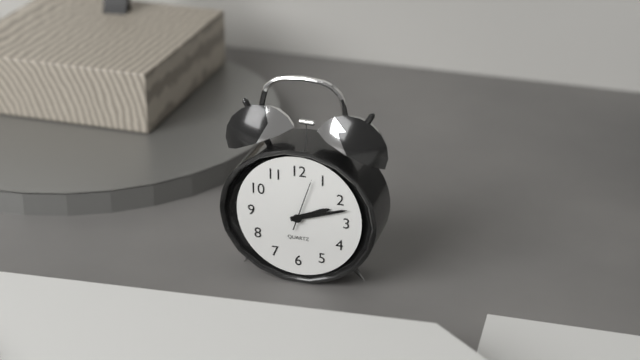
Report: 2 h 12 min
